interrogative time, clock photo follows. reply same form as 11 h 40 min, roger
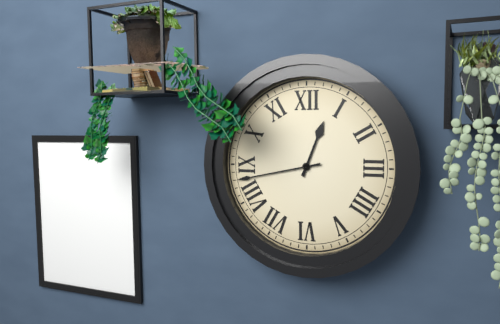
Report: 12 h 43 min
